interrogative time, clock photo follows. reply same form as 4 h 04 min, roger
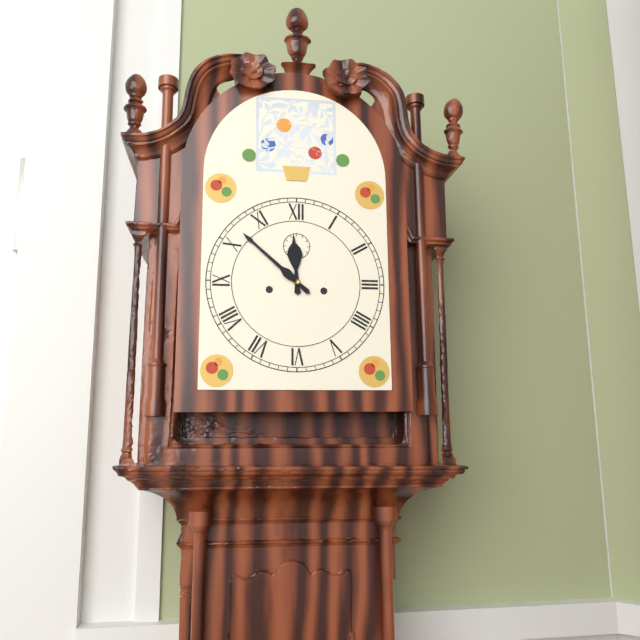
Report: 11 h 52 min
